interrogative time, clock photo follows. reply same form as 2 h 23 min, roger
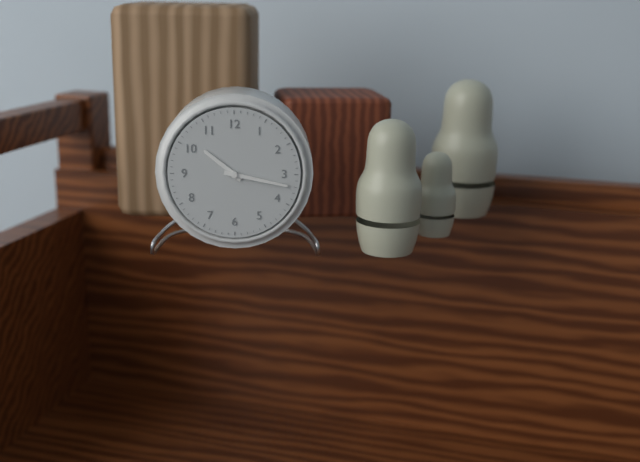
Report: 10 h 17 min
